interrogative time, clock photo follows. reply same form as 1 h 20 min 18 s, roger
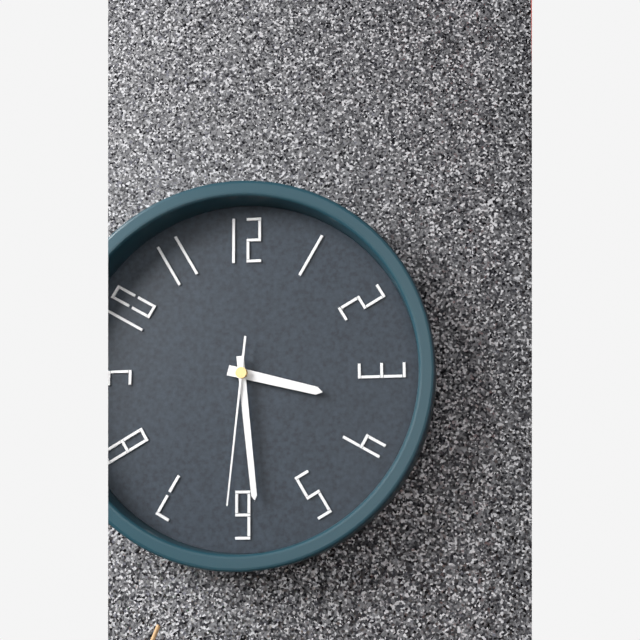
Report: 3 h 29 min 31 s
